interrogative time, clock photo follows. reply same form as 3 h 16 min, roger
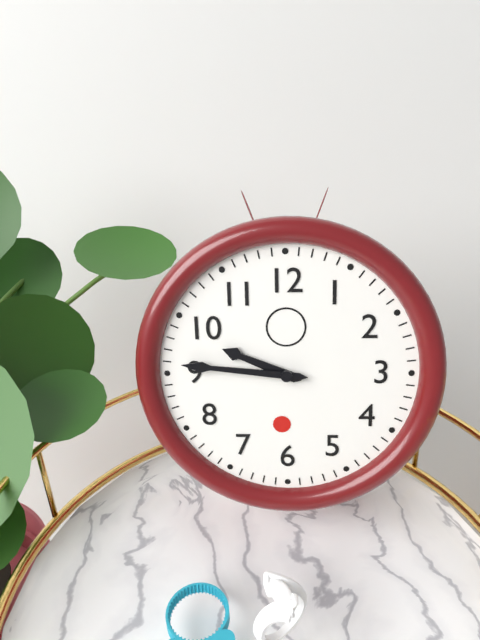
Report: 9 h 46 min
